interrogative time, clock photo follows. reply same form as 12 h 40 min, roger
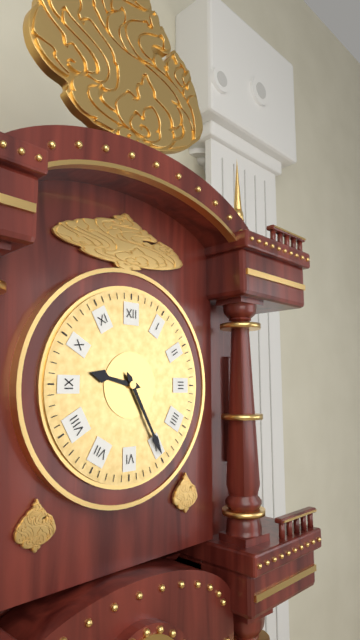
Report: 9 h 25 min
